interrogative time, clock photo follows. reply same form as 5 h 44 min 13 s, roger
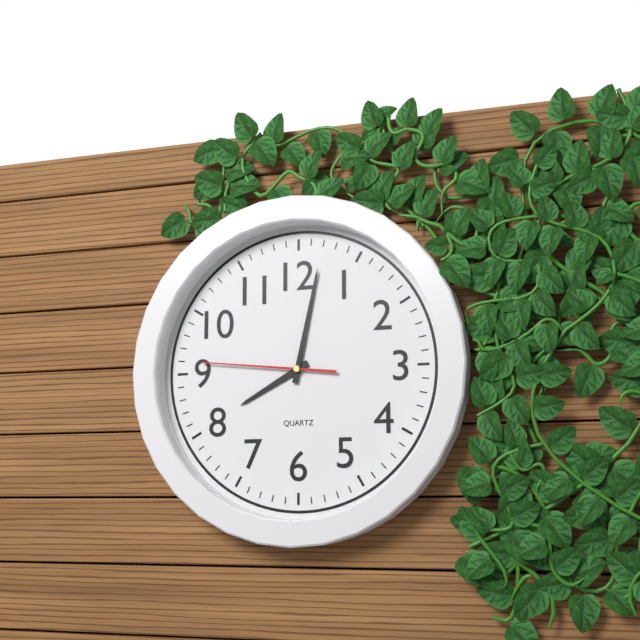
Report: 8 h 02 min 46 s
